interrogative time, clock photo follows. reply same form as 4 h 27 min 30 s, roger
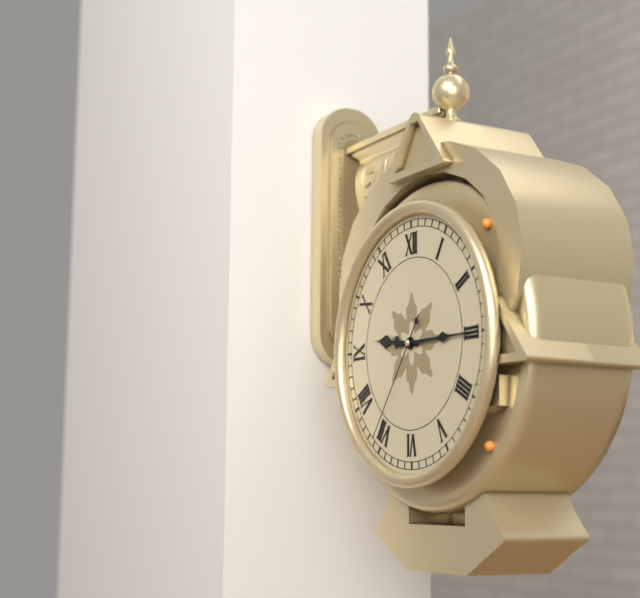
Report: 9 h 15 min 36 s
